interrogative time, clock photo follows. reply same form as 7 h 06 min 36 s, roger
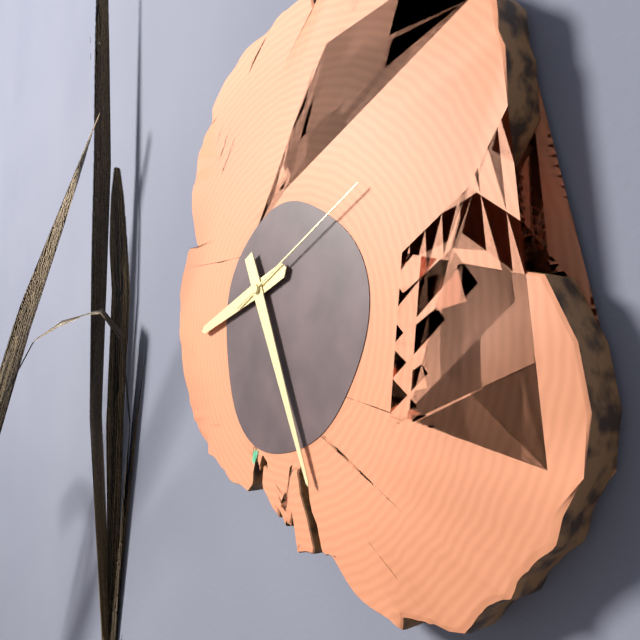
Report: 8 h 26 min 11 s
